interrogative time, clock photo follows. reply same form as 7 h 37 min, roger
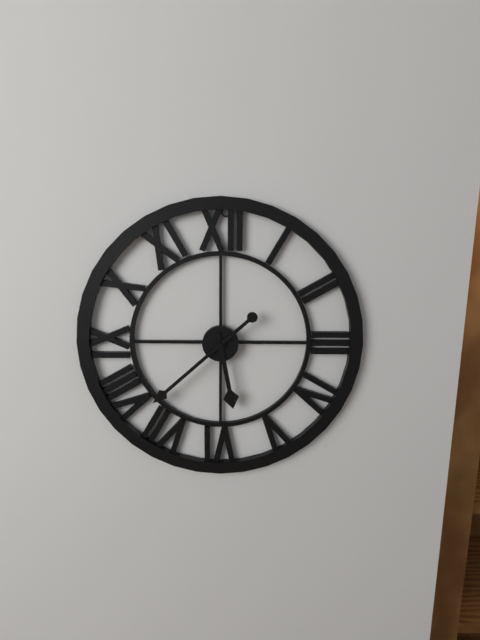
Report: 5 h 38 min
